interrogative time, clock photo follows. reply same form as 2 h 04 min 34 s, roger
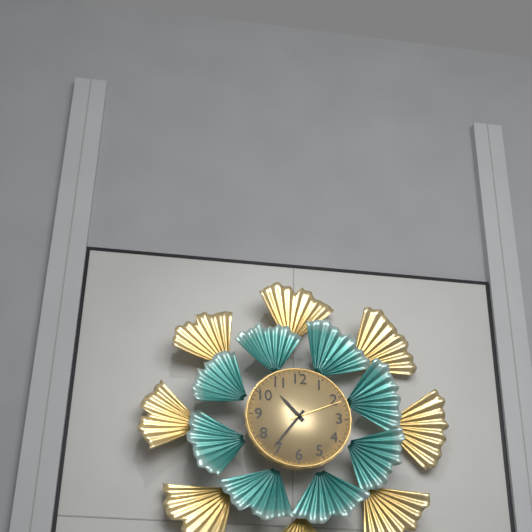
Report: 10 h 36 min 11 s
